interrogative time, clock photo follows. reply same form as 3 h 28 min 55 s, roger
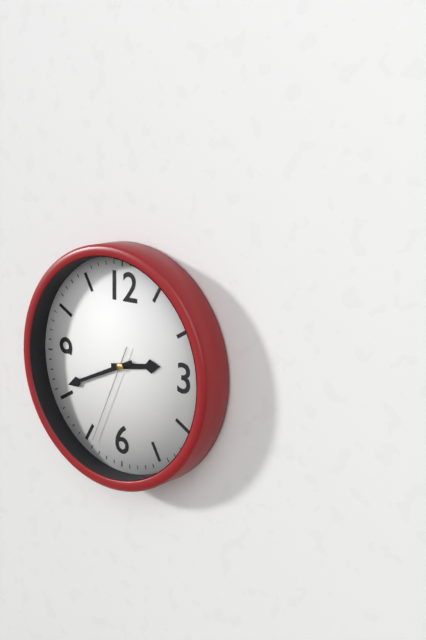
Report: 2 h 41 min 34 s
